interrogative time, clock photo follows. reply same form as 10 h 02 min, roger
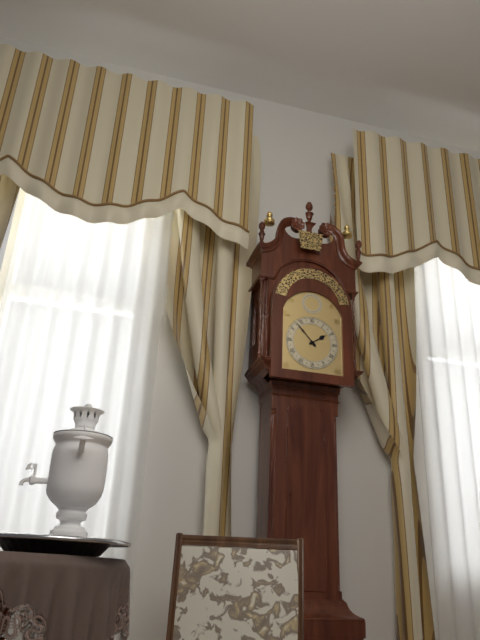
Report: 1 h 53 min
